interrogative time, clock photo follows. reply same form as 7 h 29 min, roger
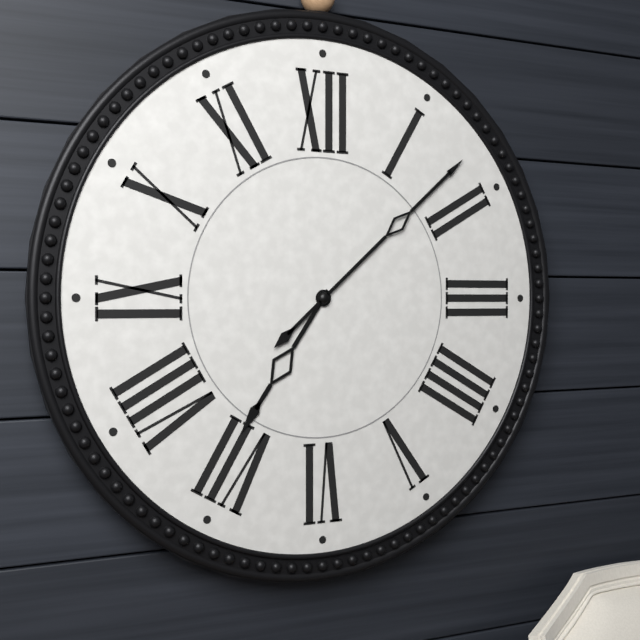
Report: 7 h 08 min
